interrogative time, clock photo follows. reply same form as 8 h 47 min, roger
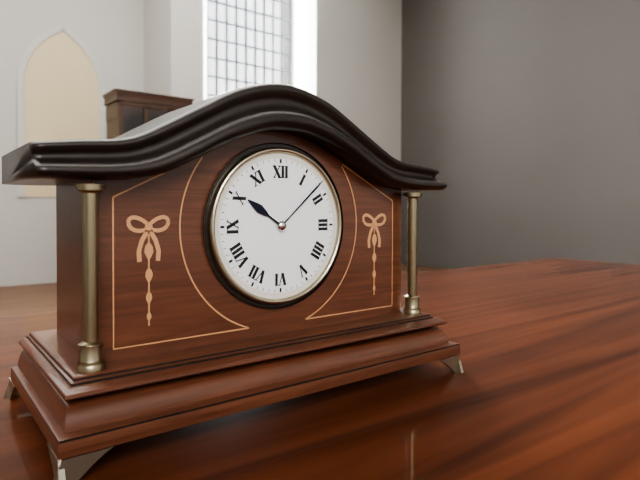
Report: 10 h 08 min
